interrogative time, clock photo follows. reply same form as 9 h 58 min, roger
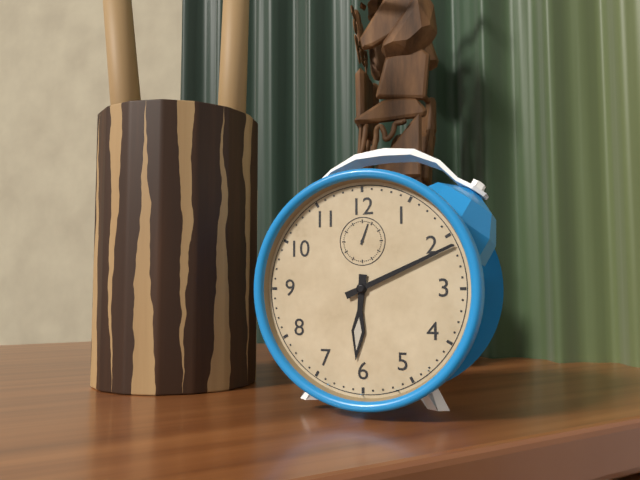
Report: 6 h 11 min
